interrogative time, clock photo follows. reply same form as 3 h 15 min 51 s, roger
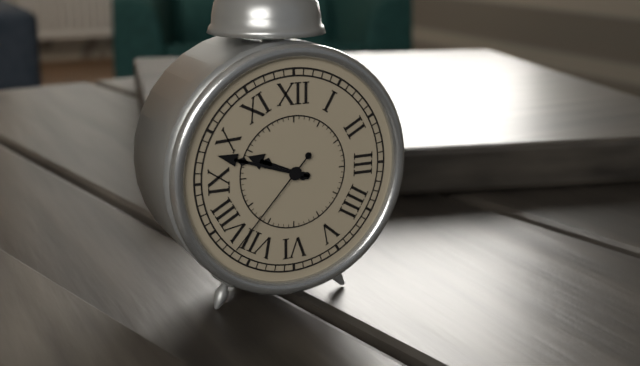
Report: 9 h 48 min 37 s
